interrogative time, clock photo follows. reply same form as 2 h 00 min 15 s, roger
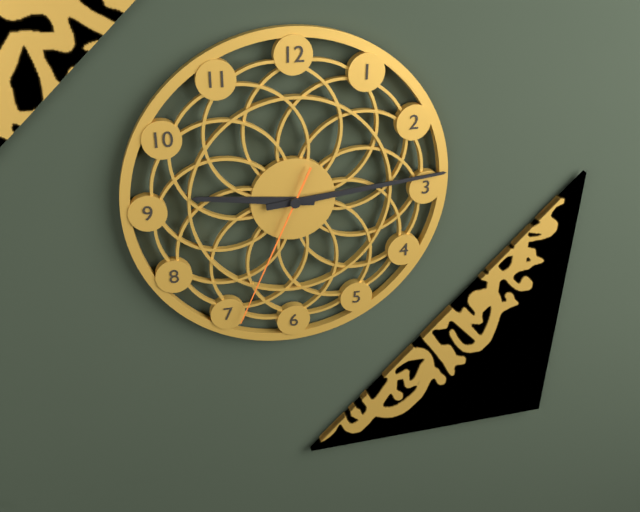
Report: 9 h 14 min 34 s
